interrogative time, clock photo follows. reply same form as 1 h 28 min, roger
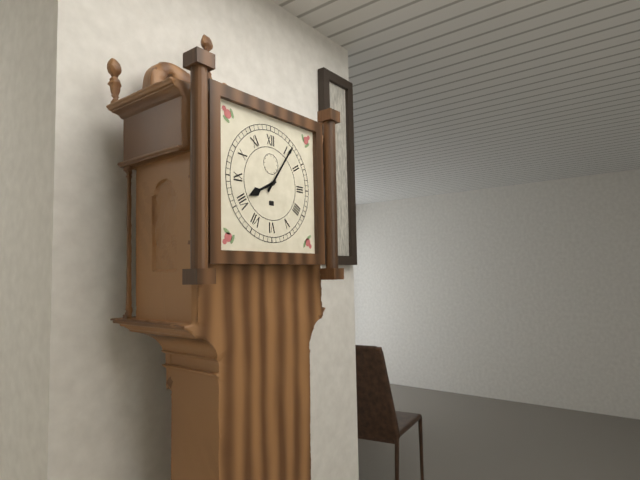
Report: 8 h 06 min
